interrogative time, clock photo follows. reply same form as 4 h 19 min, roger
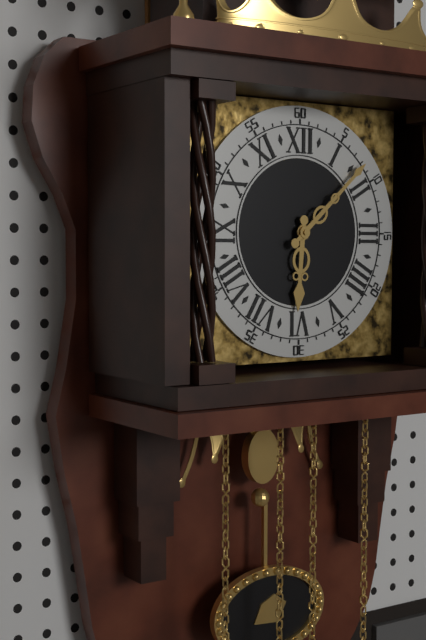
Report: 6 h 08 min
